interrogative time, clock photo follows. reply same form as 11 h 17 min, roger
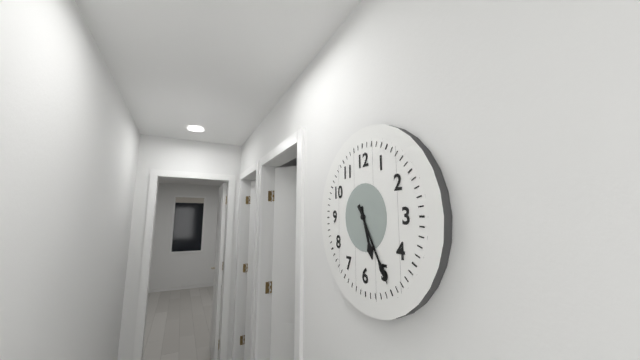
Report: 5 h 25 min
